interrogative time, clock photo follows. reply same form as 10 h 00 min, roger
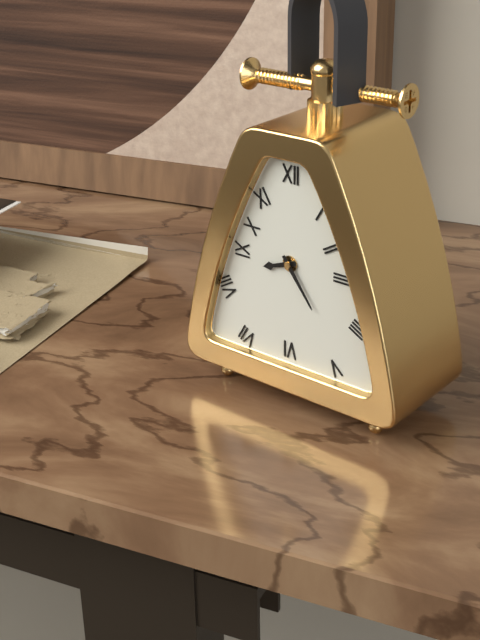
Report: 8 h 24 min
